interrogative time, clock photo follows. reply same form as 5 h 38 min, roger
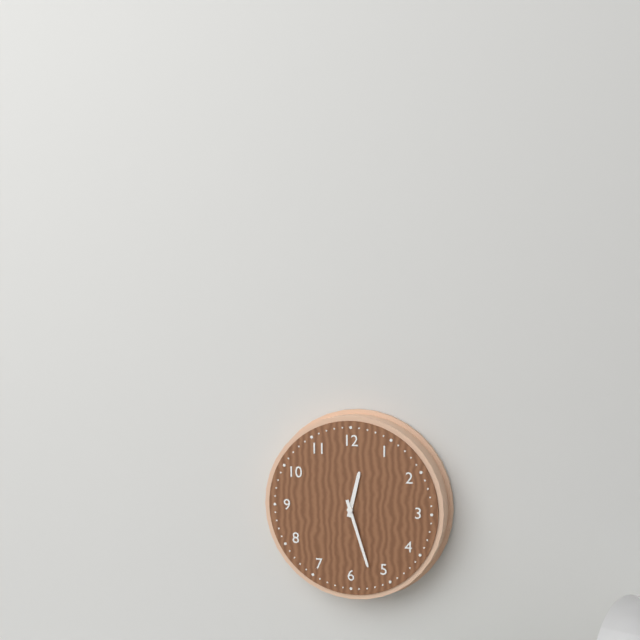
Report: 12 h 27 min
